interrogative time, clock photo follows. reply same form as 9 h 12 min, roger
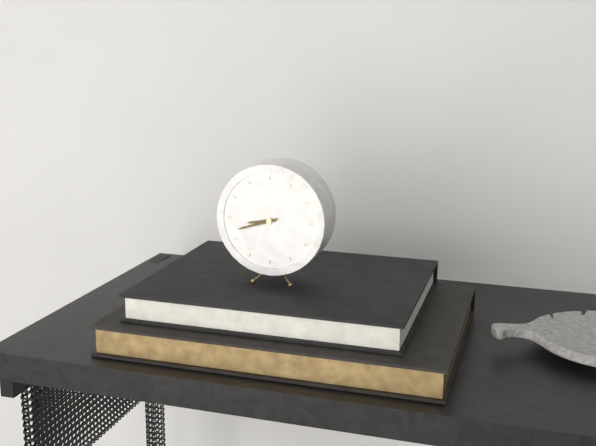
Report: 8 h 42 min
